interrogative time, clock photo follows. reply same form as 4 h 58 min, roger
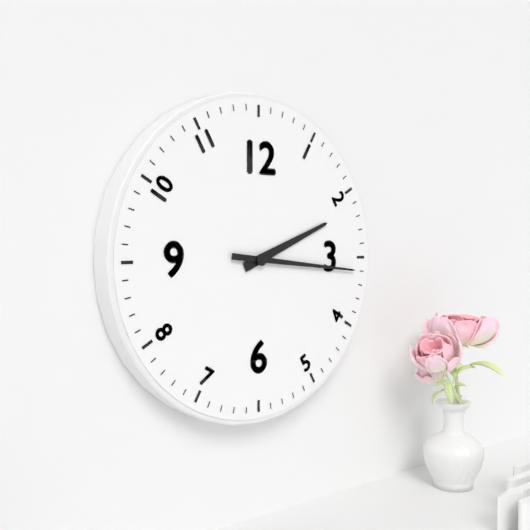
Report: 2 h 16 min
